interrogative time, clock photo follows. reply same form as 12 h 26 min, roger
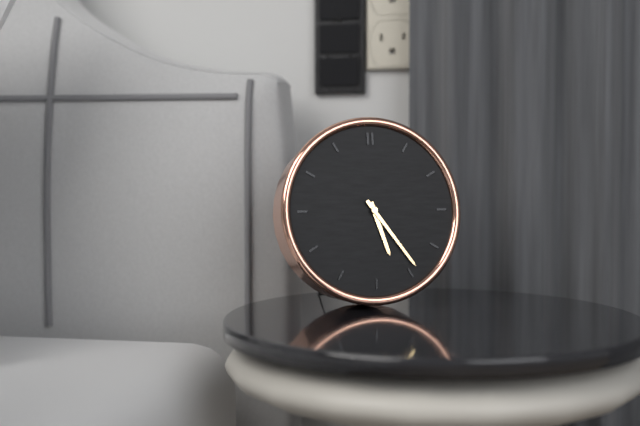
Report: 5 h 24 min
